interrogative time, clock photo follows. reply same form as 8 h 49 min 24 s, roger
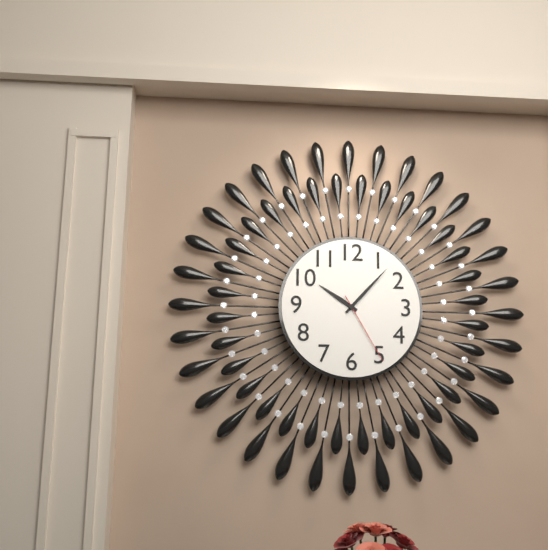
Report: 10 h 07 min 25 s
